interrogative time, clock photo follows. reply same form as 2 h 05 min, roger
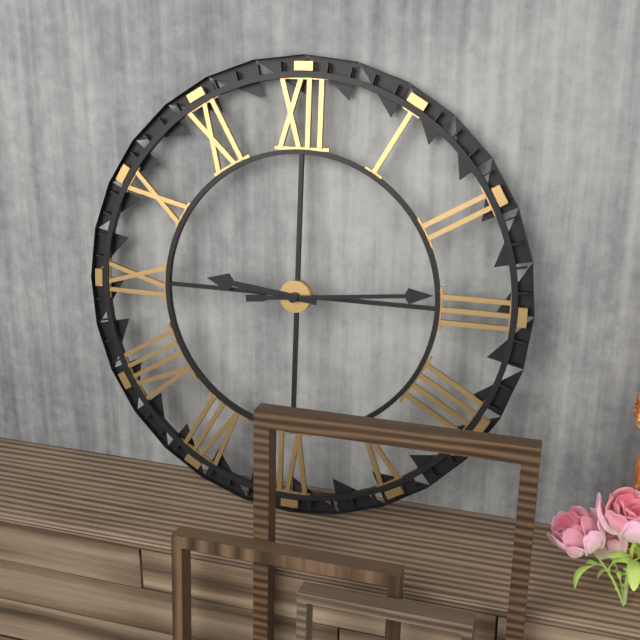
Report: 9 h 14 min
